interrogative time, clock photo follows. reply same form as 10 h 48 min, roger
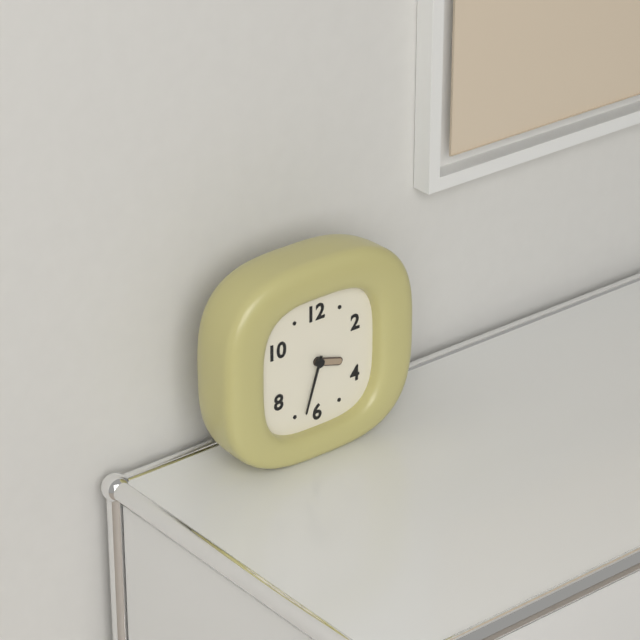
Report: 3 h 33 min
